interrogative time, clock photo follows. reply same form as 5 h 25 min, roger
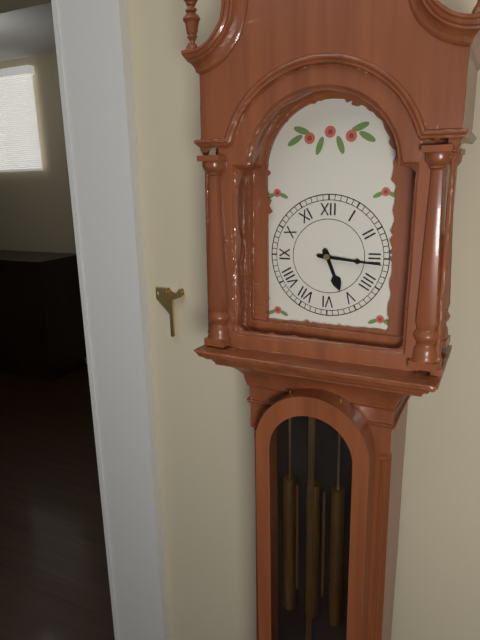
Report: 5 h 16 min
